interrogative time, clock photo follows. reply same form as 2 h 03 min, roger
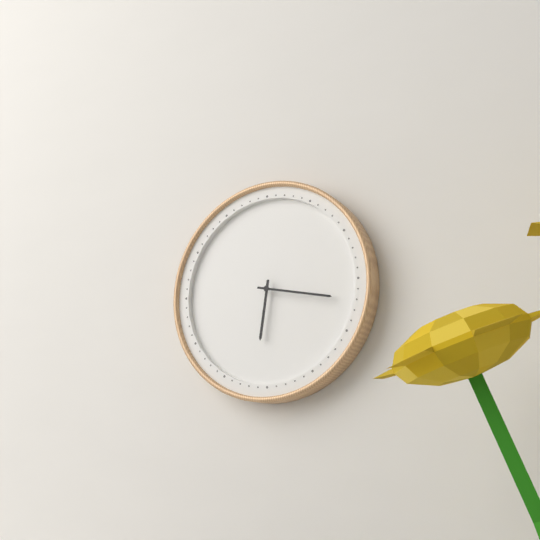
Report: 6 h 17 min
